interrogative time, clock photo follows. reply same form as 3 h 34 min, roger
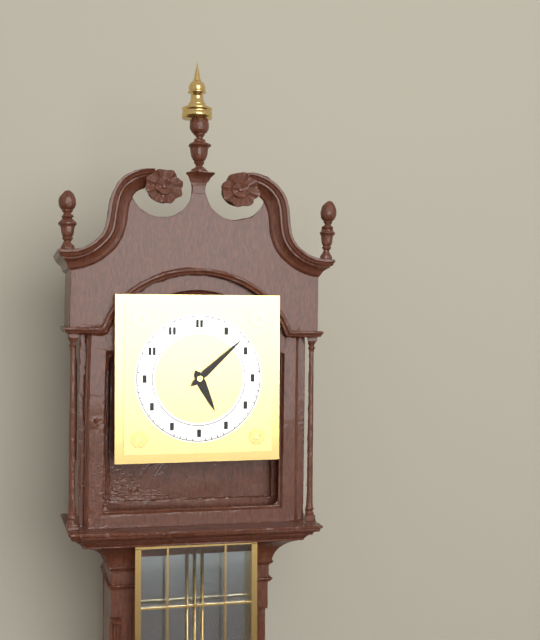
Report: 5 h 08 min
